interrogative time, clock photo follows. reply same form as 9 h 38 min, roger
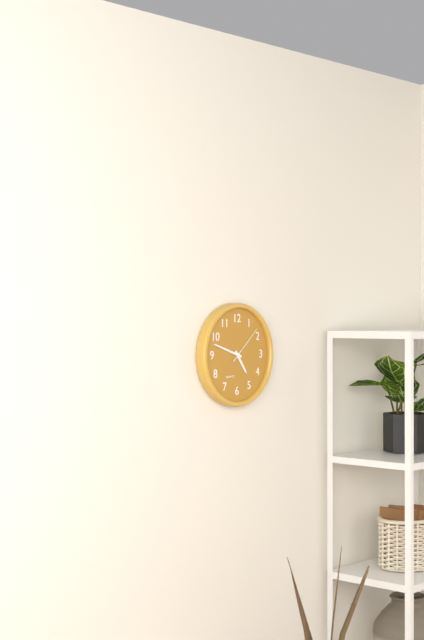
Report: 4 h 48 min
